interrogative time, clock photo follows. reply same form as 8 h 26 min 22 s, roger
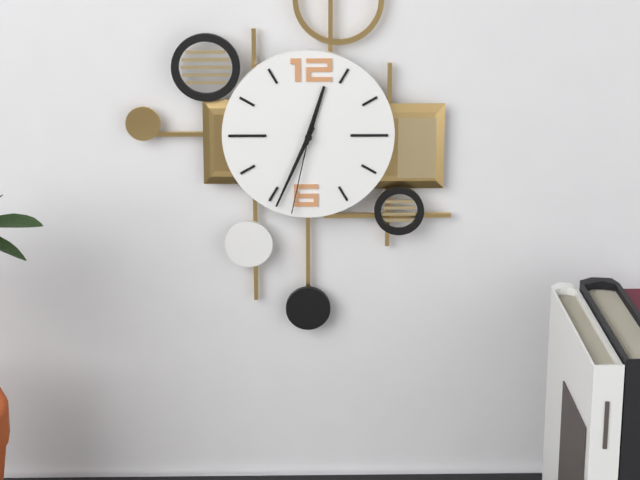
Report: 12 h 34 min 32 s
